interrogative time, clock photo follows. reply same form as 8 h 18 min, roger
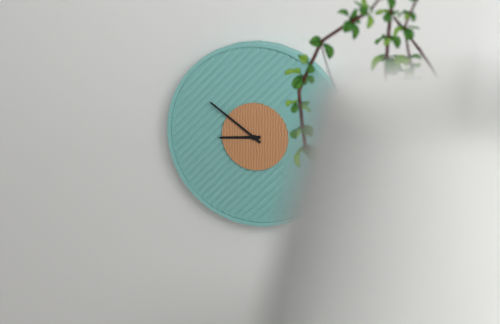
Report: 8 h 51 min
